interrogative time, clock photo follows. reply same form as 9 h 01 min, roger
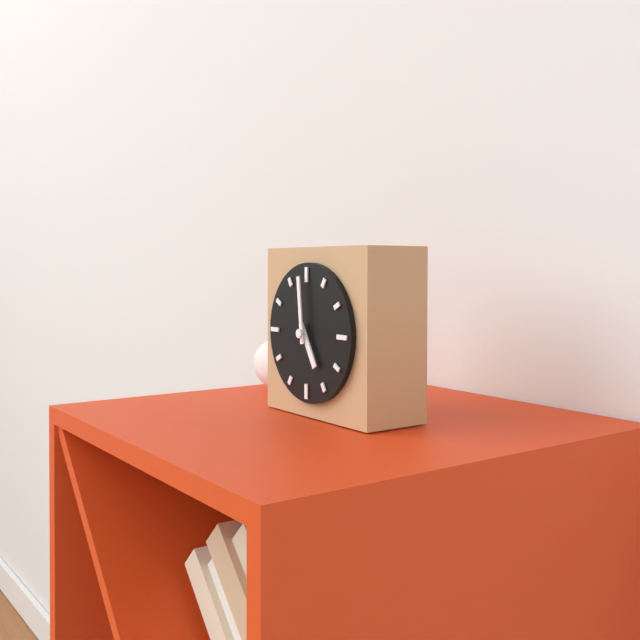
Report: 4 h 59 min
